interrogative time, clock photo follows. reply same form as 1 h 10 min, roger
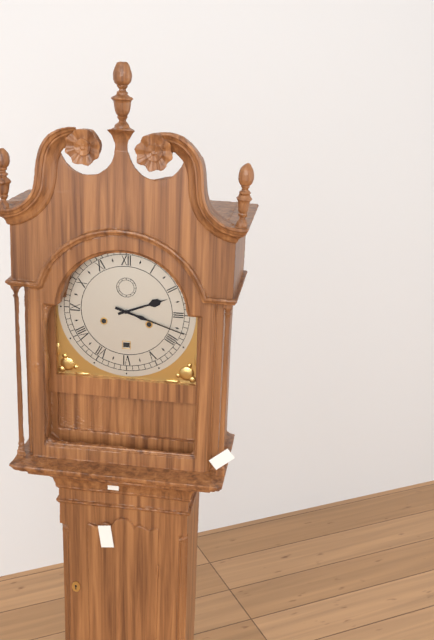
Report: 2 h 18 min
